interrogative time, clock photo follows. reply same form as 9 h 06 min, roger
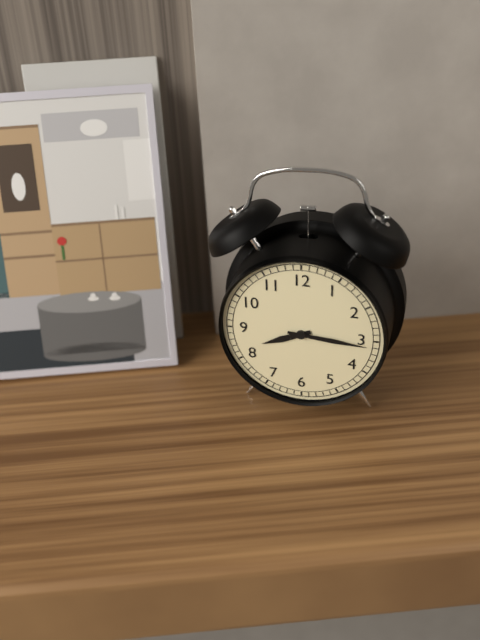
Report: 8 h 16 min
